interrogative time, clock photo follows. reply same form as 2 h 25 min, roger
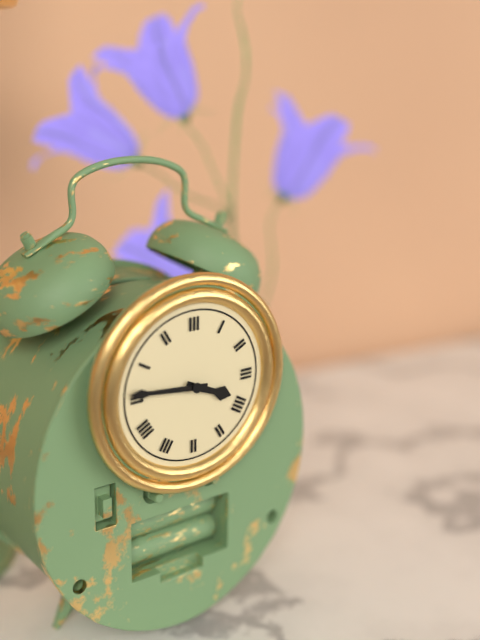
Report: 3 h 46 min
